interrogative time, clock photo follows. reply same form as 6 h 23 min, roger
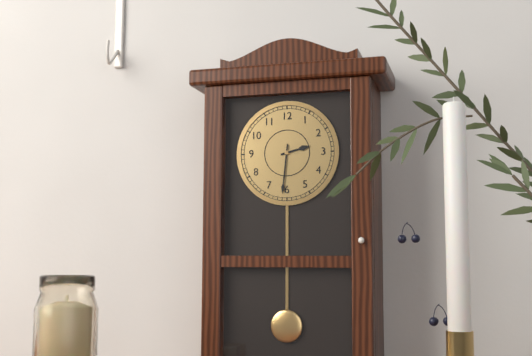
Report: 2 h 31 min
